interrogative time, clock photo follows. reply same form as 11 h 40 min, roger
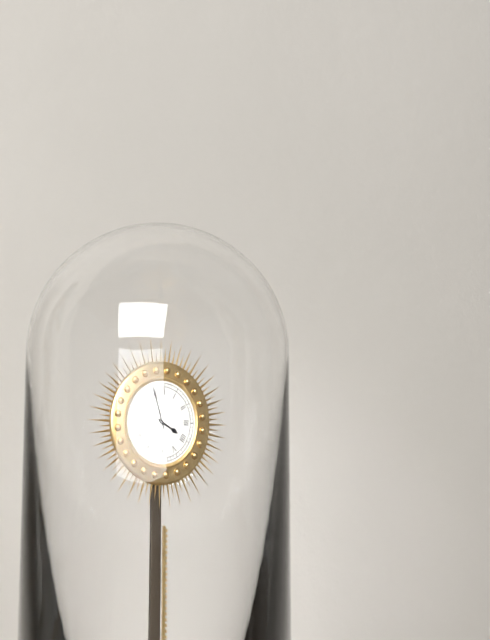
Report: 3 h 57 min
